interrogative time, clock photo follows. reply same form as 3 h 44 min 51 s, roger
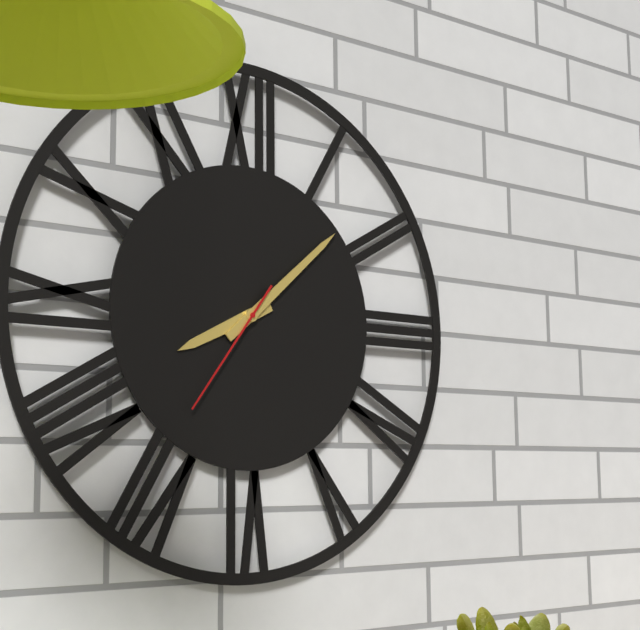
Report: 8 h 08 min 36 s
